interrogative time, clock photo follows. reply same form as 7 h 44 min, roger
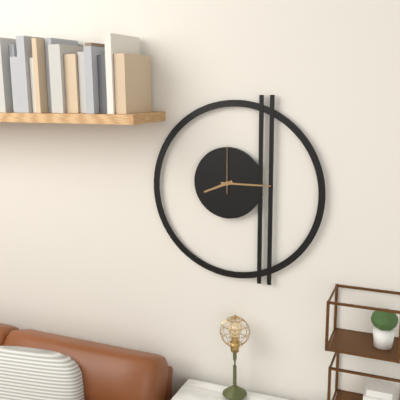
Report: 8 h 15 min
